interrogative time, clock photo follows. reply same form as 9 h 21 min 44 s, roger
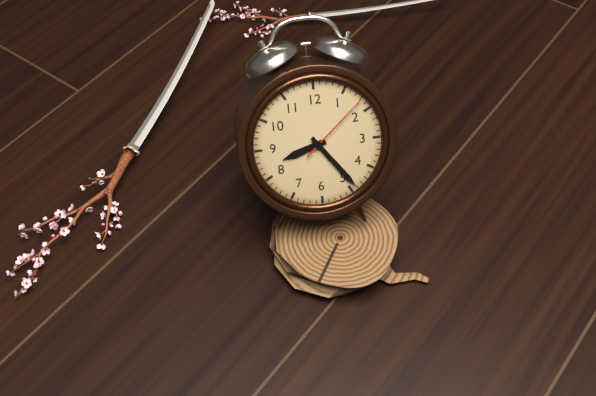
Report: 8 h 24 min 08 s
